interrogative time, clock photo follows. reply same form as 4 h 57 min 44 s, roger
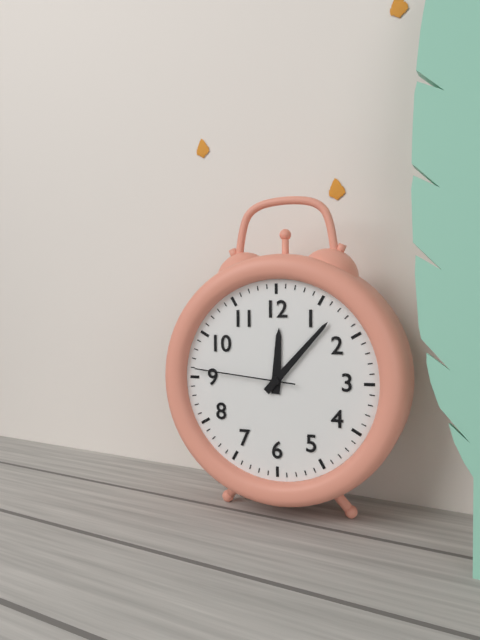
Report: 12 h 07 min 46 s
